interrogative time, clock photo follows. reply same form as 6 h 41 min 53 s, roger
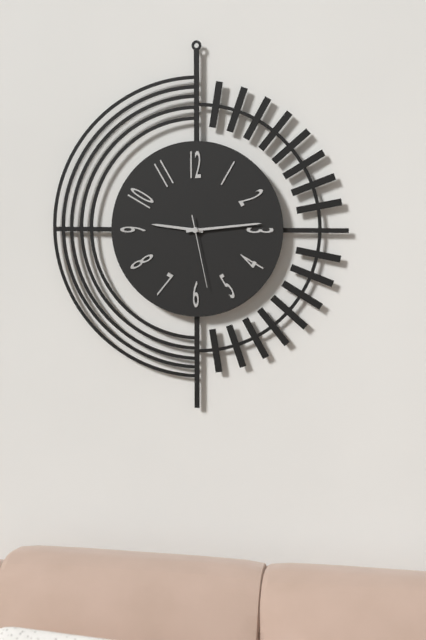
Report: 9 h 14 min 28 s
